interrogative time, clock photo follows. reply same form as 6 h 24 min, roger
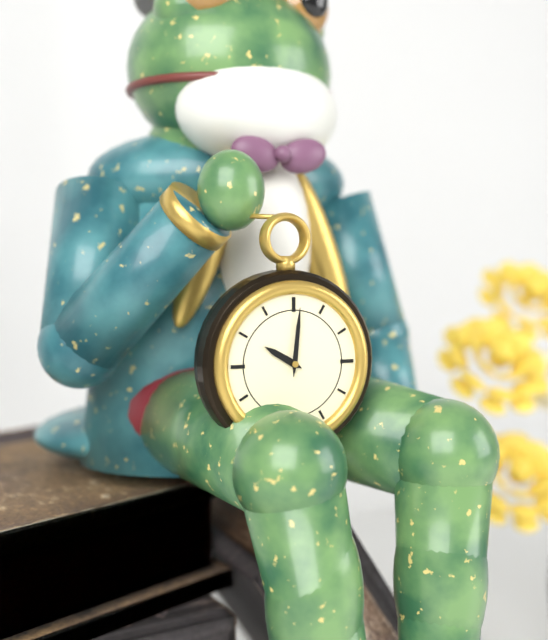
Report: 10 h 01 min
